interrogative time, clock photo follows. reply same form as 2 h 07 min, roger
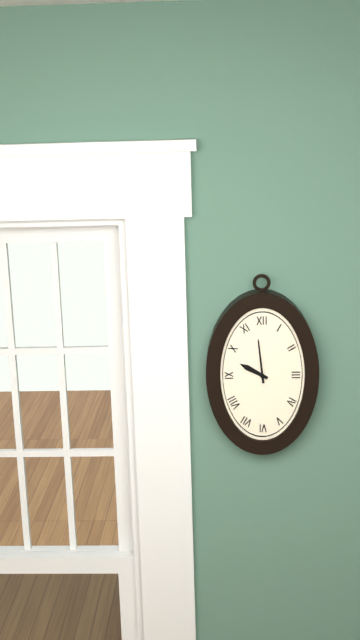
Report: 9 h 59 min
